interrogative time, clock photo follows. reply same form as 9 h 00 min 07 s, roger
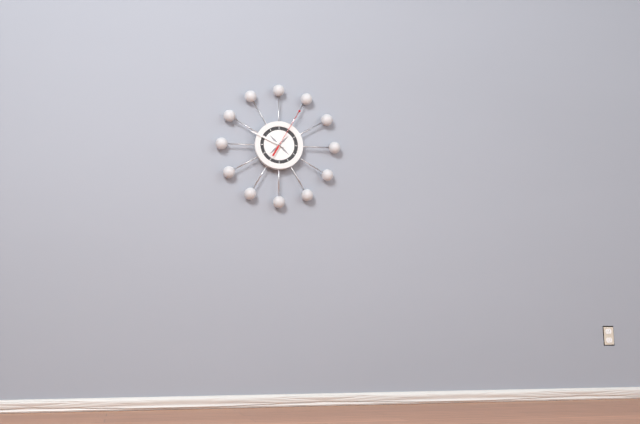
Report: 6 h 49 min 05 s
